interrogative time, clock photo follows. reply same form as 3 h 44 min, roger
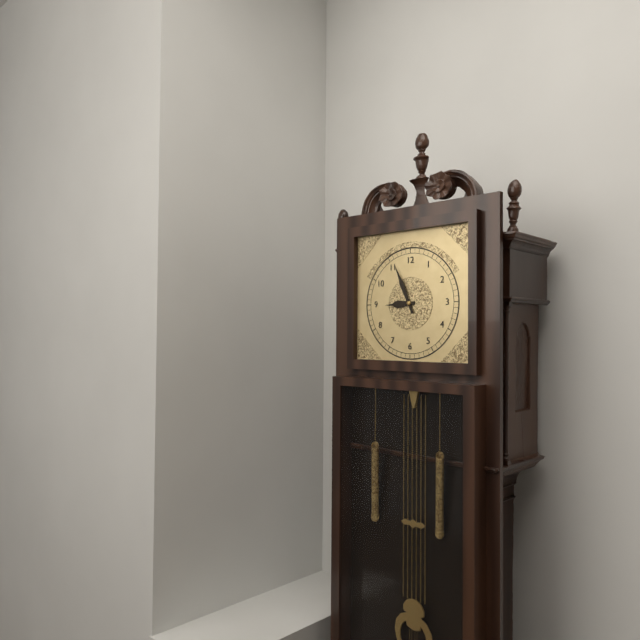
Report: 8 h 56 min
